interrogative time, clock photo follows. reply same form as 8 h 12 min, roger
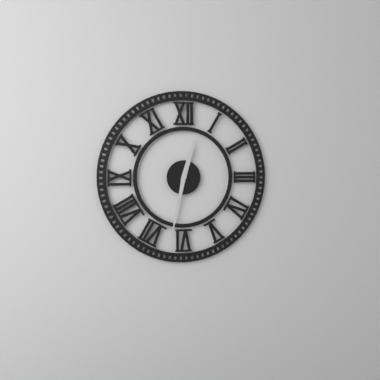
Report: 12 h 32 min
